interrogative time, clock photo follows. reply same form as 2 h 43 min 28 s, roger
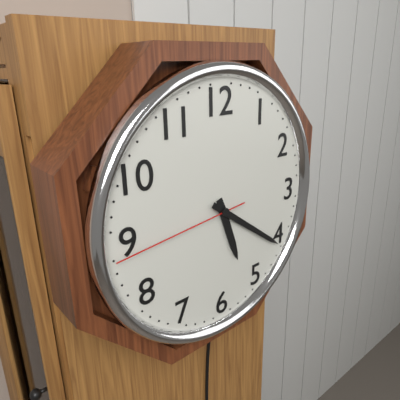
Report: 5 h 21 min 44 s
